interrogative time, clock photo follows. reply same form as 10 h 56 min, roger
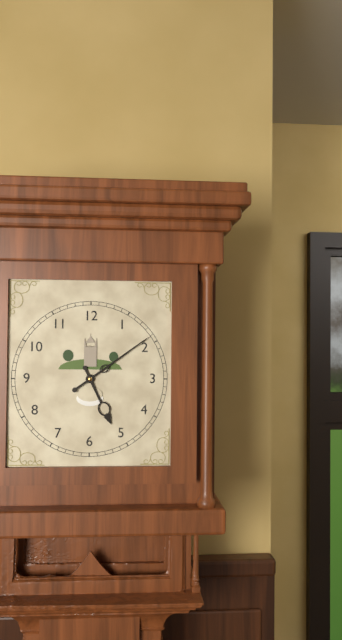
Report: 5 h 09 min
